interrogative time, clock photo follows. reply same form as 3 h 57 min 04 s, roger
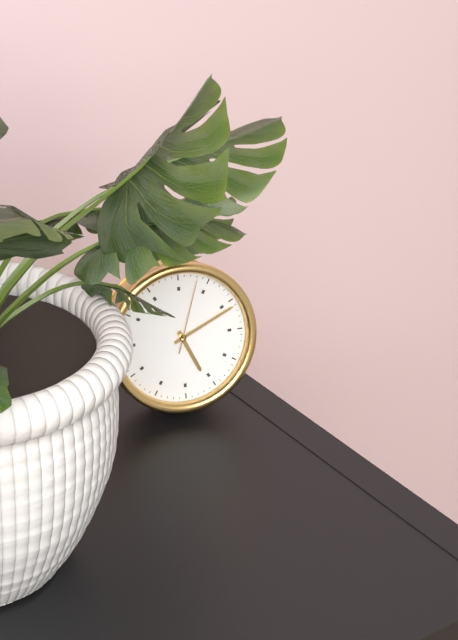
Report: 5 h 11 min 03 s
